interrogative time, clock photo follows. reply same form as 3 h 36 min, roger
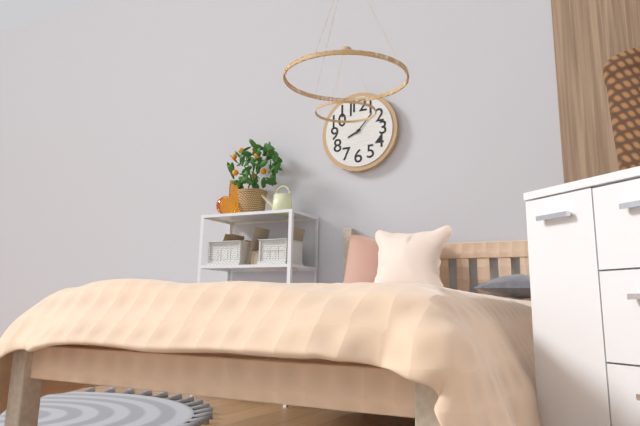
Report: 8 h 07 min
